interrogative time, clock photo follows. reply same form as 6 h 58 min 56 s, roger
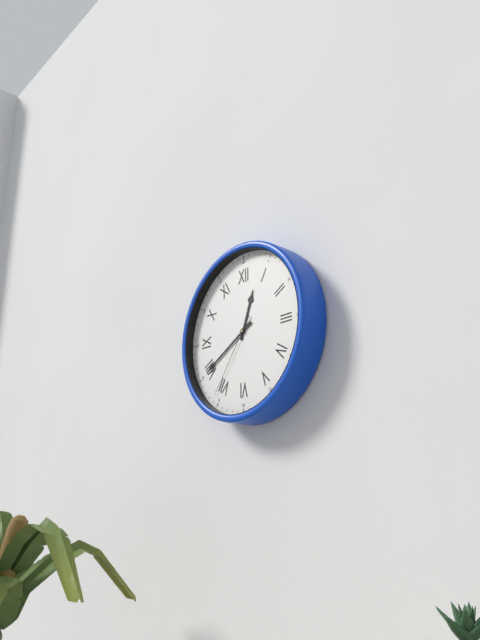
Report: 12 h 40 min 36 s
